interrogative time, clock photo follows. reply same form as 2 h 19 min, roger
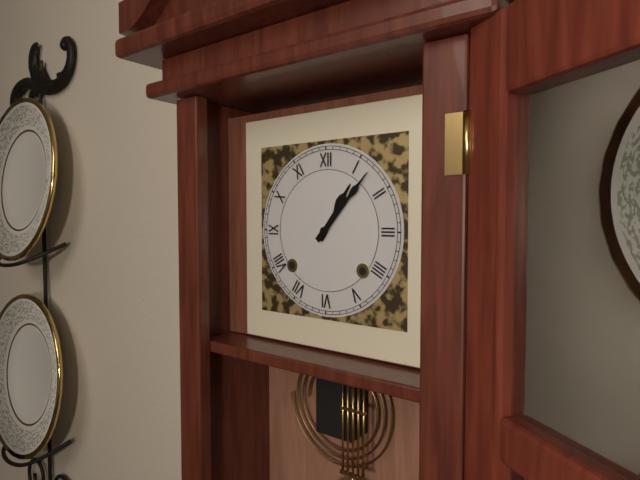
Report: 1 h 07 min
